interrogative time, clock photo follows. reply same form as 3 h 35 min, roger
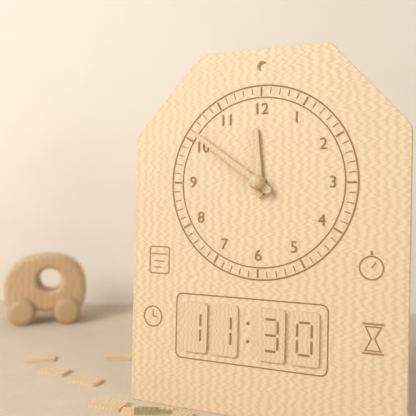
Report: 11 h 51 min
